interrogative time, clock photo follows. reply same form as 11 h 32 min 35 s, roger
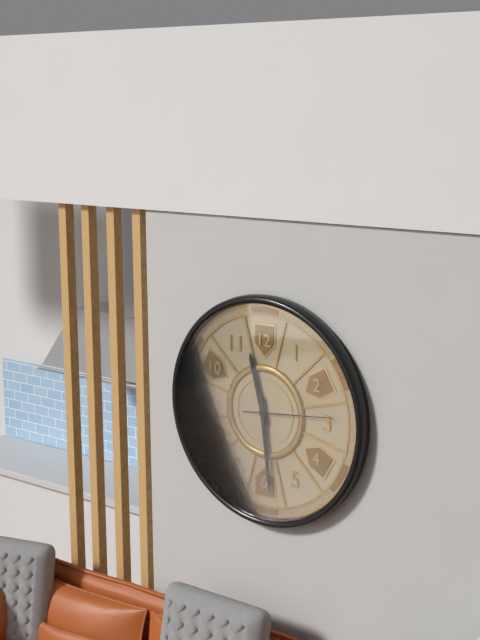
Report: 11 h 29 min 14 s
